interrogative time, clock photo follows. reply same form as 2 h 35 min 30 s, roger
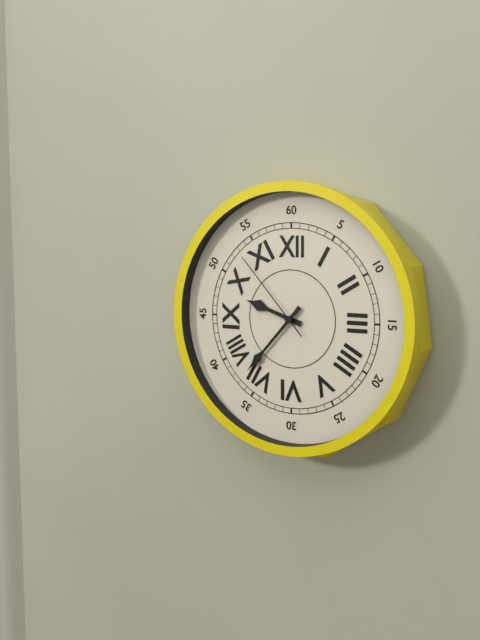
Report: 9 h 37 min 53 s
